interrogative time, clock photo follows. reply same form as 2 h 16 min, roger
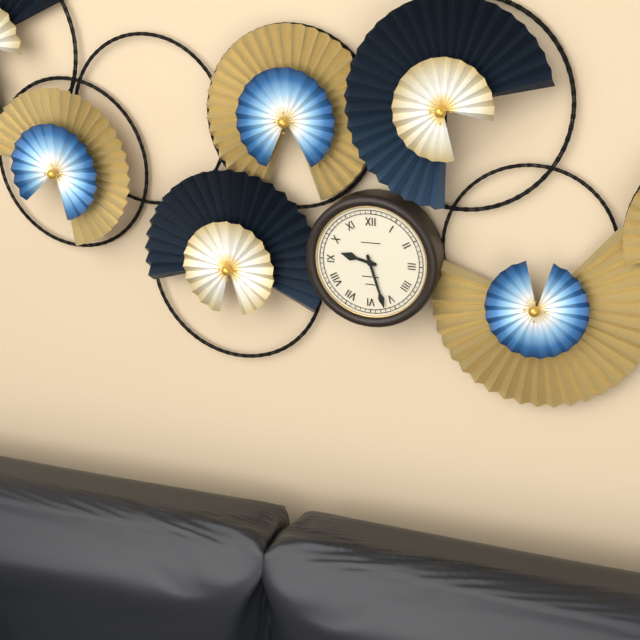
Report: 9 h 27 min
